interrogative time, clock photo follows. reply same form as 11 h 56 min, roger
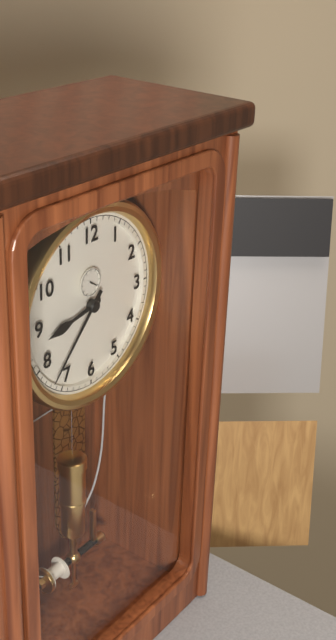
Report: 8 h 37 min
